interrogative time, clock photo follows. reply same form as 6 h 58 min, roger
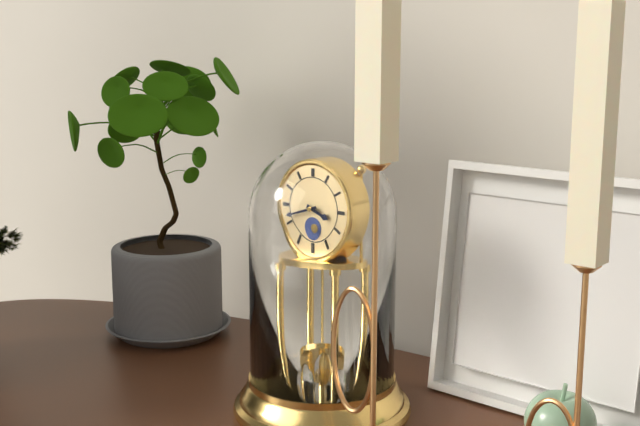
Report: 3 h 42 min
